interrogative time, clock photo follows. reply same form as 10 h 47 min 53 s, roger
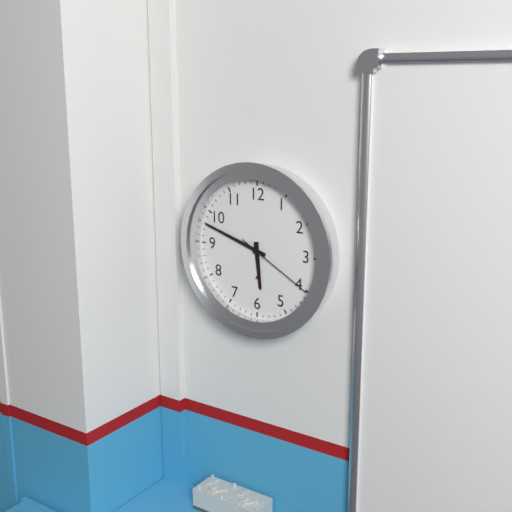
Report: 5 h 48 min 20 s
